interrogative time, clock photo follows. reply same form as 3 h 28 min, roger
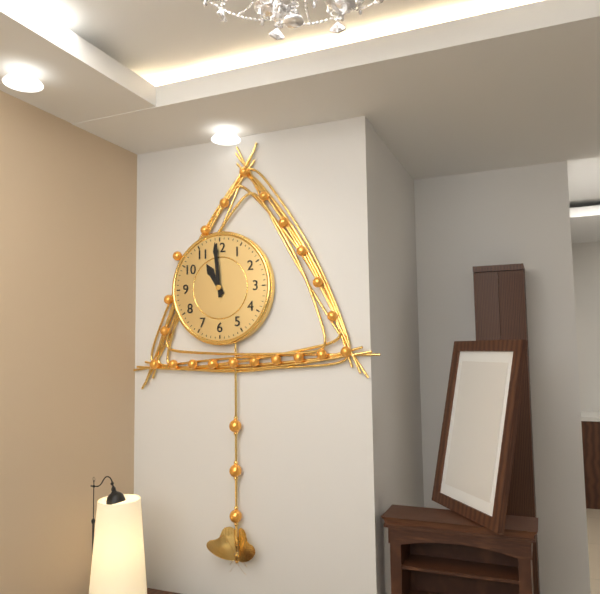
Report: 10 h 59 min
